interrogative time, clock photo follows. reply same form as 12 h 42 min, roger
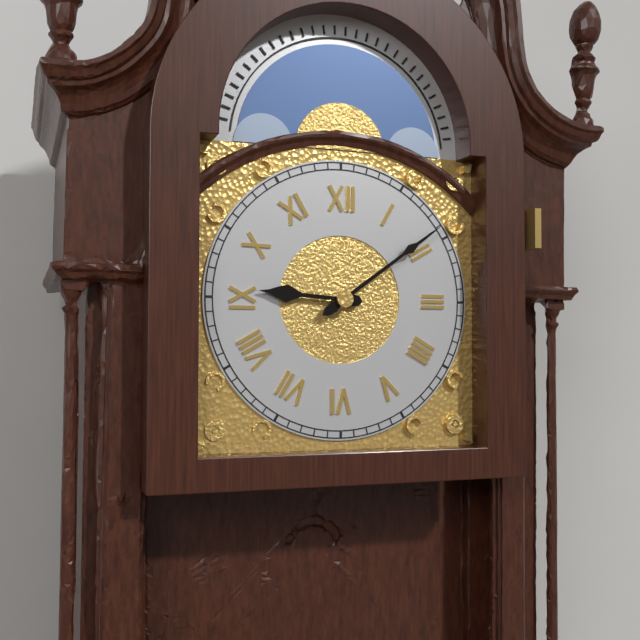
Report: 9 h 09 min
